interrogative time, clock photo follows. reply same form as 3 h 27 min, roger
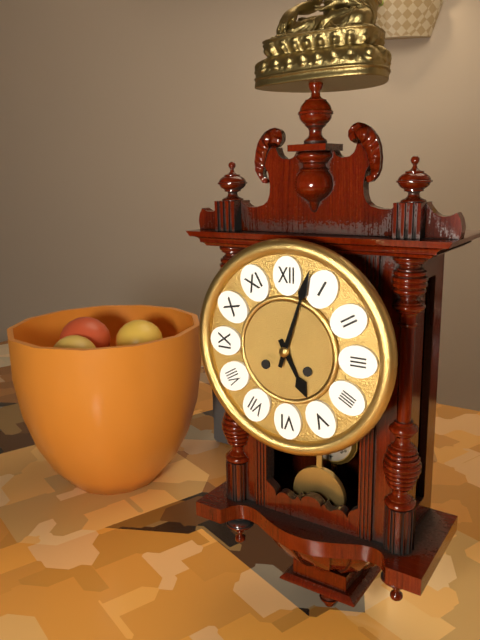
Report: 5 h 03 min
